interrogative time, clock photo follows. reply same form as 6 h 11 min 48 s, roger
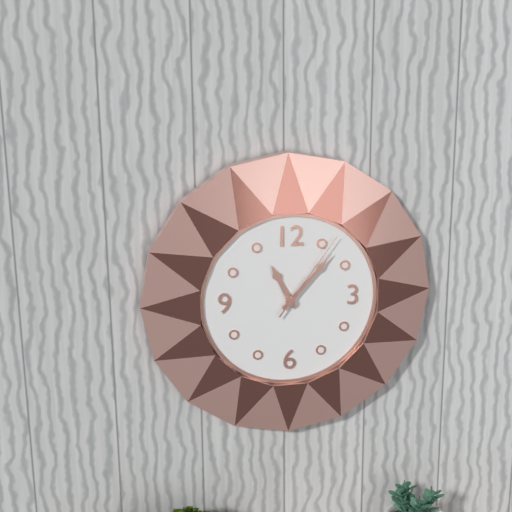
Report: 11 h 07 min 06 s
